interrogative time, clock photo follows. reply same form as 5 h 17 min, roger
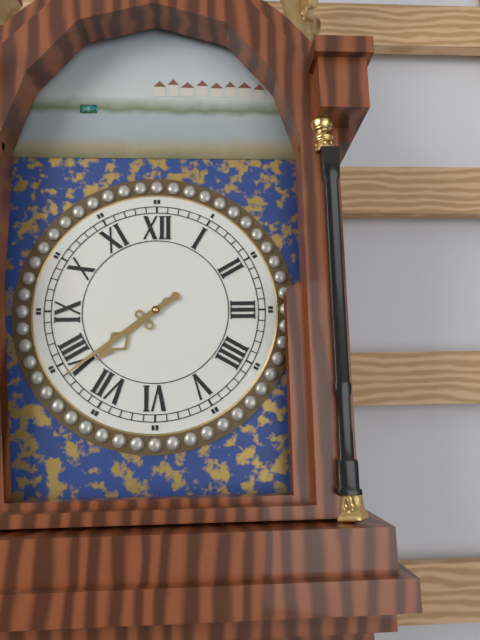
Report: 7 h 39 min
